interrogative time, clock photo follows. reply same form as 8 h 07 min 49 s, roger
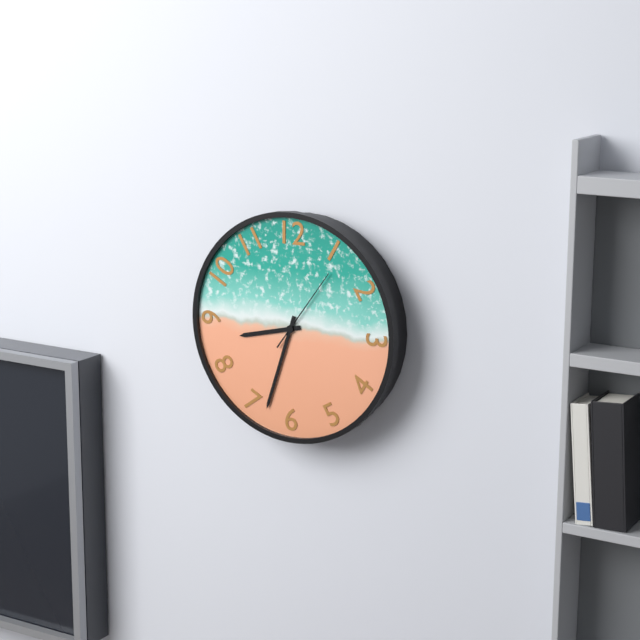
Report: 8 h 33 min 06 s
